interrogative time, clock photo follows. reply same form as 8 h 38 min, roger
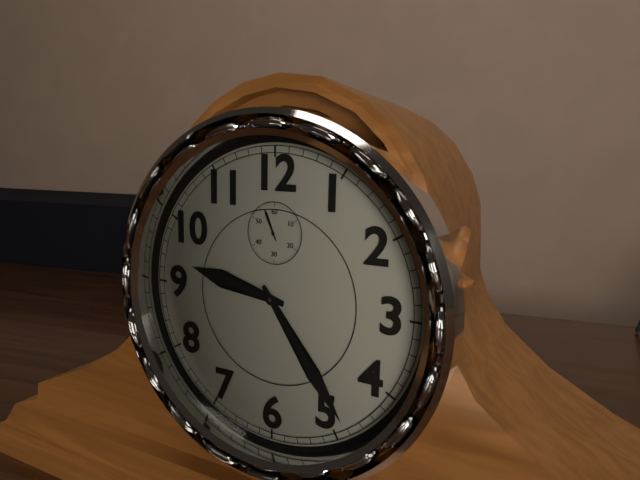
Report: 9 h 24 min
